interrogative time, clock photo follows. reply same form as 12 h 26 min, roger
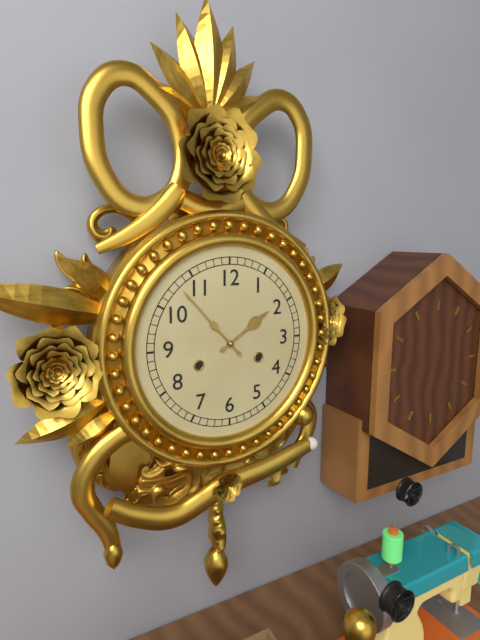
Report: 1 h 53 min
